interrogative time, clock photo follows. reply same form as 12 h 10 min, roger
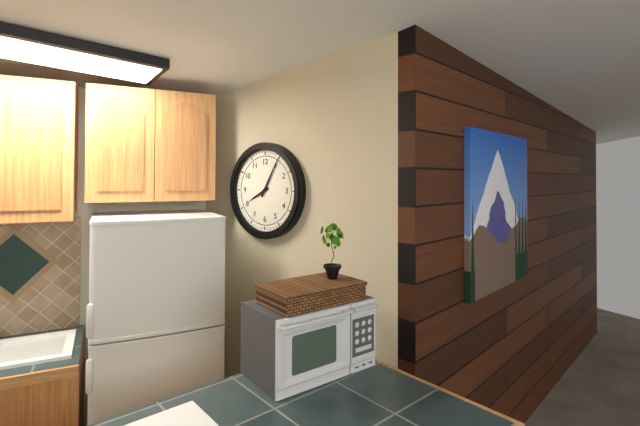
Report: 8 h 05 min
